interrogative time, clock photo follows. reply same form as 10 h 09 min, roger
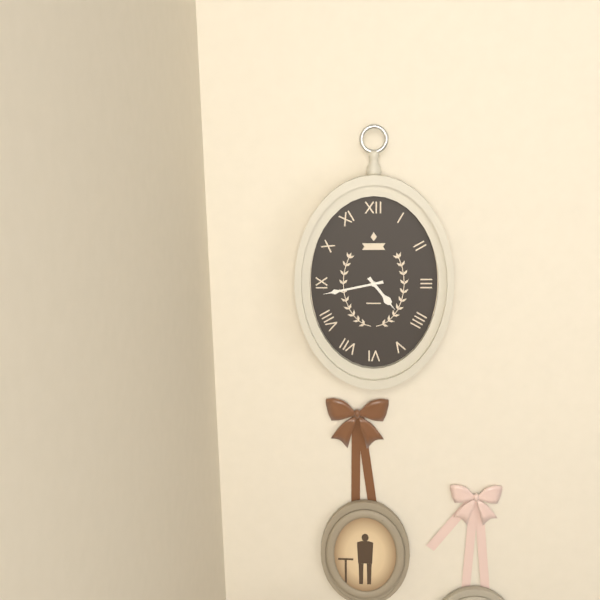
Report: 4 h 43 min
